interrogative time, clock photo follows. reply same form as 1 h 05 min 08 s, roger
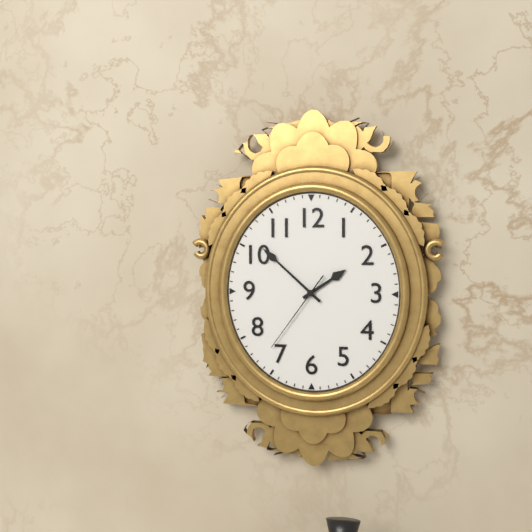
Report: 1 h 52 min 36 s
